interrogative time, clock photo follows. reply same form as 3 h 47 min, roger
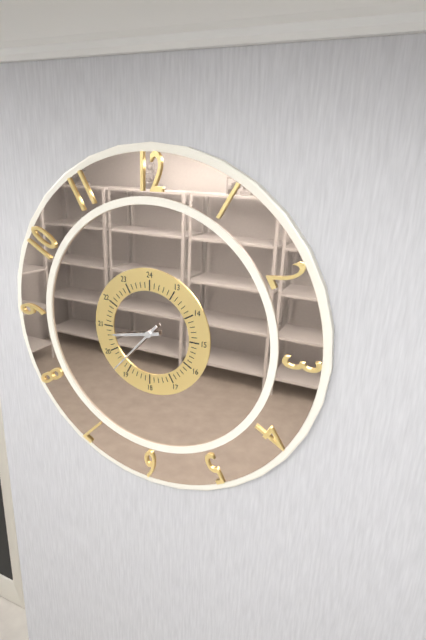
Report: 8 h 37 min
